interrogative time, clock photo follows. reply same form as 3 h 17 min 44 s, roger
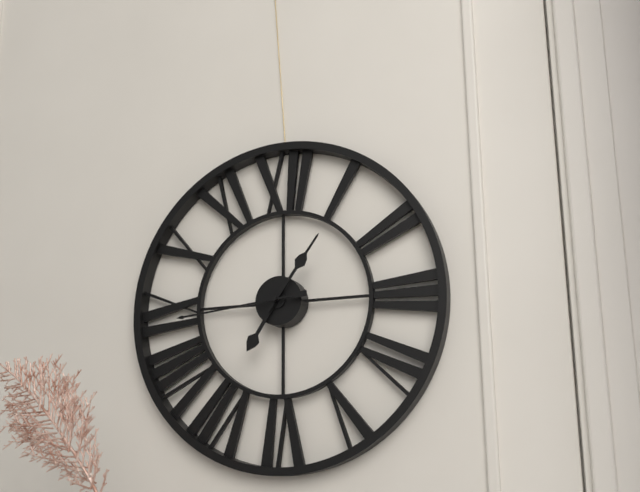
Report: 7 h 06 min 44 s
